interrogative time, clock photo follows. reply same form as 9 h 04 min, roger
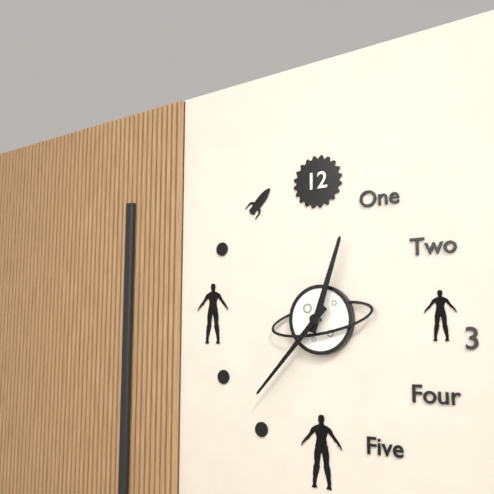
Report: 12 h 37 min
